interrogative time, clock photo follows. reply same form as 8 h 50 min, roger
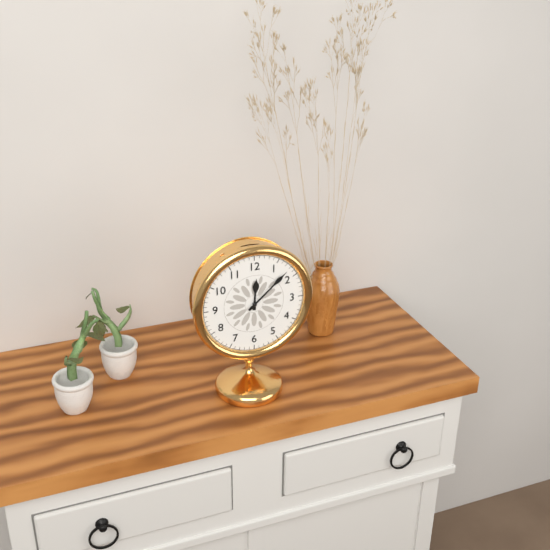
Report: 12 h 08 min
